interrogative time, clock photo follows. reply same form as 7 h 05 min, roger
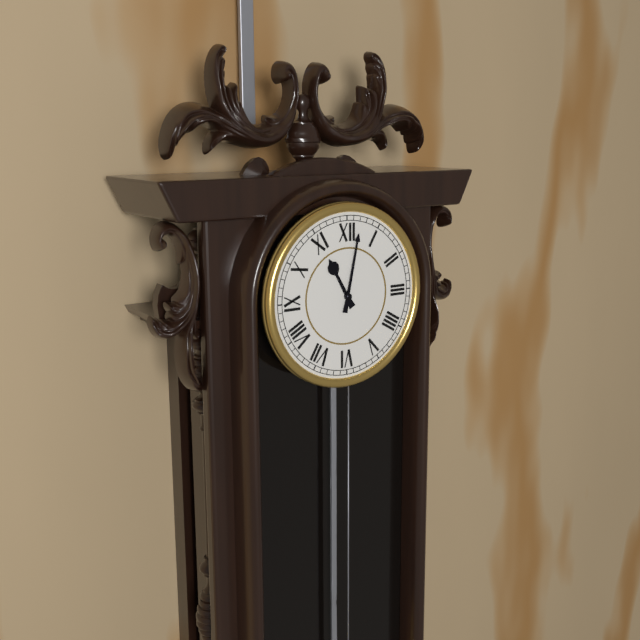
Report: 11 h 02 min
